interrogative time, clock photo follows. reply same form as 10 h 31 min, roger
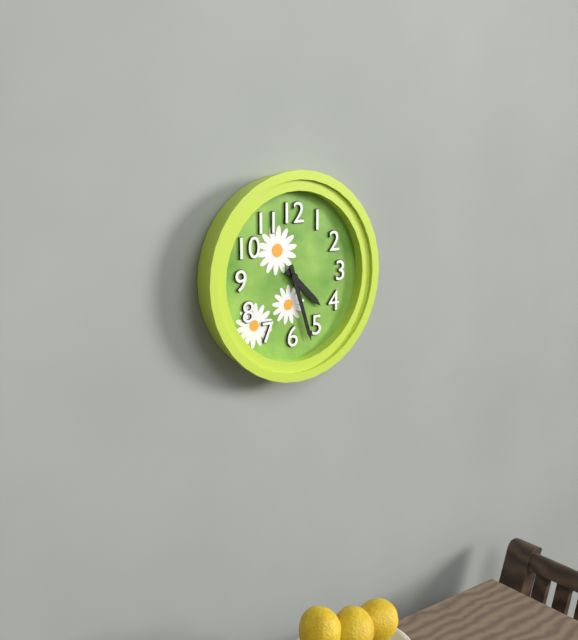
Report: 4 h 27 min
